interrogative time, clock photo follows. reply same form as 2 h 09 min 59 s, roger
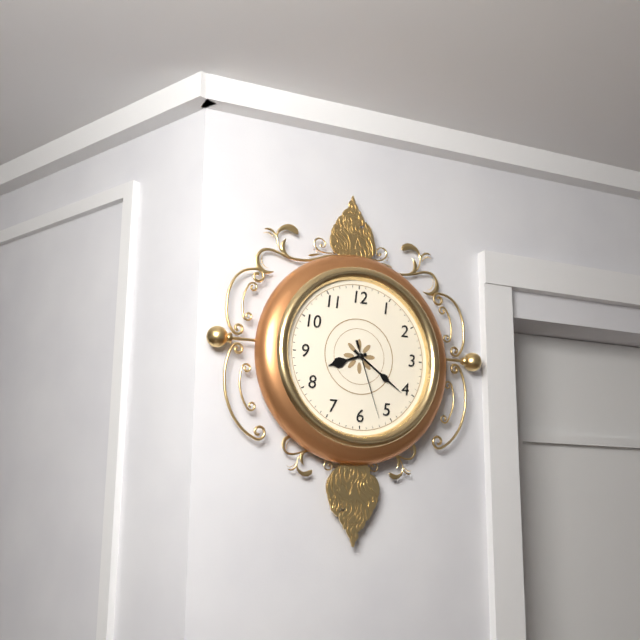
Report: 8 h 21 min 27 s
